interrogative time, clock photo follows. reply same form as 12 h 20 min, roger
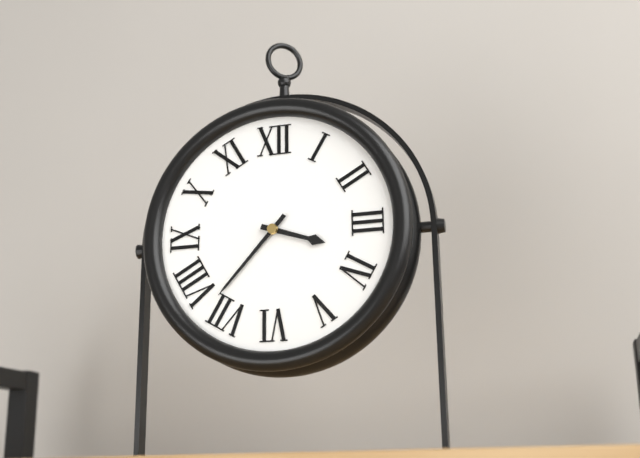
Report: 3 h 37 min
